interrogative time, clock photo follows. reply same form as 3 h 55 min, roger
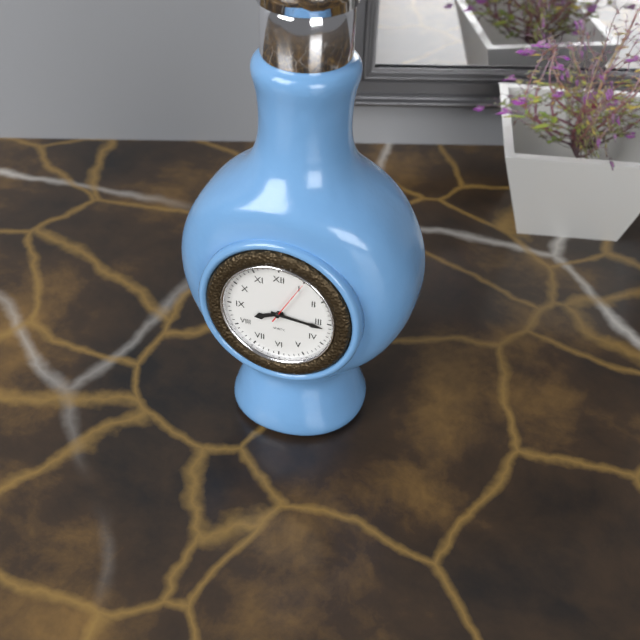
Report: 8 h 16 min
